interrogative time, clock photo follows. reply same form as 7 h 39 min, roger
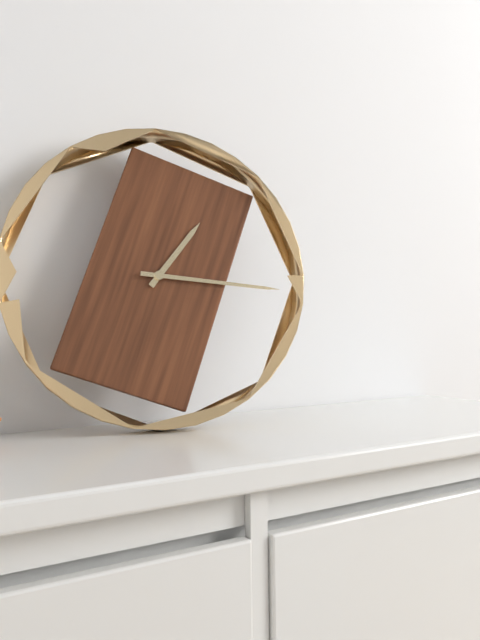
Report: 1 h 16 min
